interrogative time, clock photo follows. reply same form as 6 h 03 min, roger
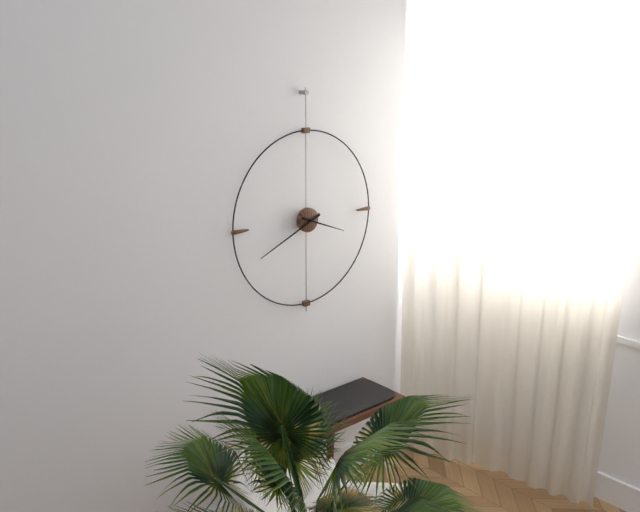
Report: 3 h 41 min
